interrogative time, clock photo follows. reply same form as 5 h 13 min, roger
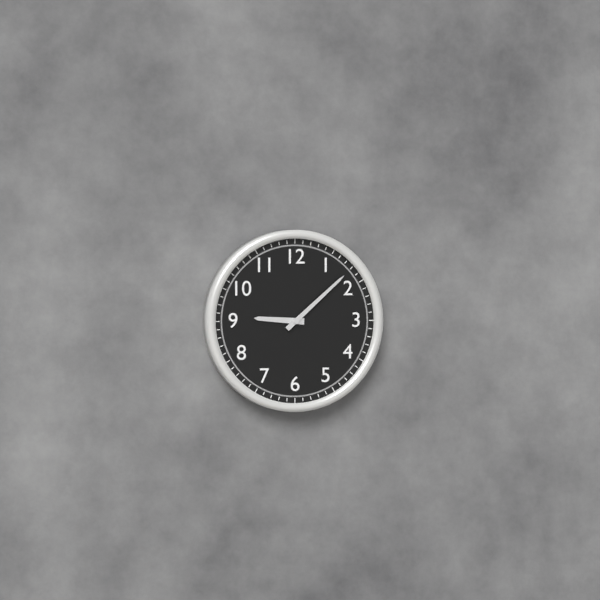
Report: 9 h 08 min
